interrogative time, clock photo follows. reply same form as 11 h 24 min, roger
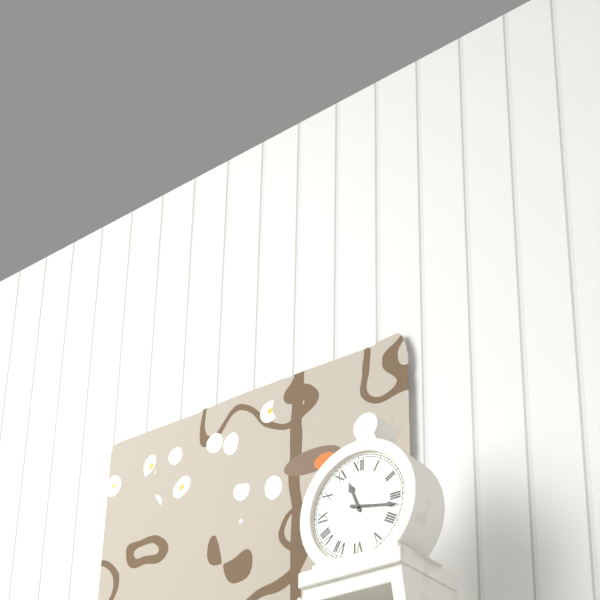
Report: 11 h 17 min
